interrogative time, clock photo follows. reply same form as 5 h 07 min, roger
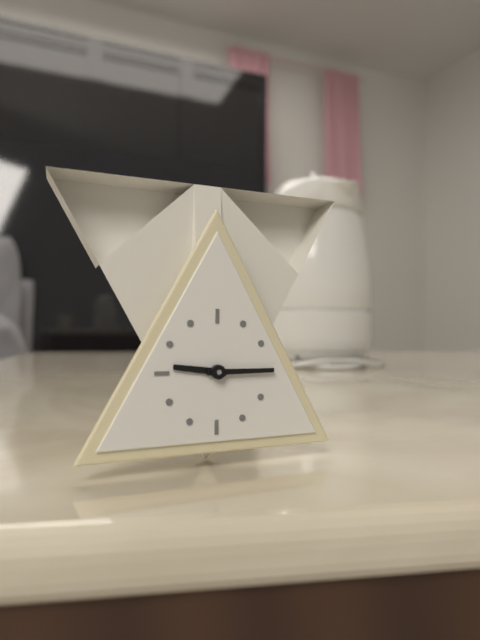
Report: 9 h 15 min
